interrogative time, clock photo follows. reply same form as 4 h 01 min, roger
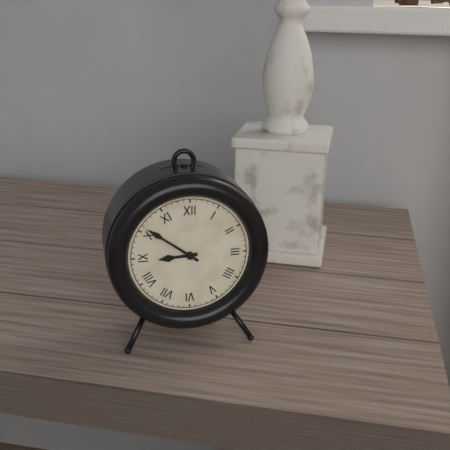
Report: 8 h 51 min
